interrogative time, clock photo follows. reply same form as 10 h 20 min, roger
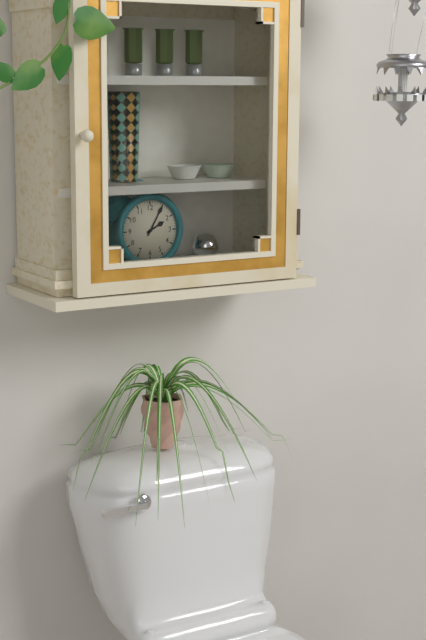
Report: 2 h 05 min
